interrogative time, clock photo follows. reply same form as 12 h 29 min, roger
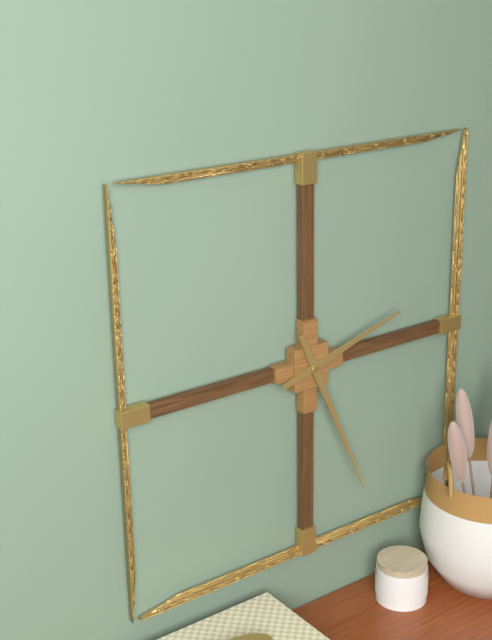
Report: 2 h 26 min
